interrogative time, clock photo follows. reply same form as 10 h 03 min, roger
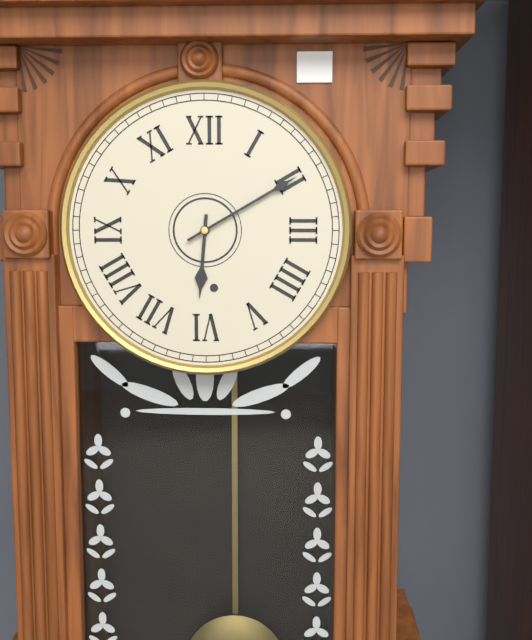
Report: 6 h 10 min
